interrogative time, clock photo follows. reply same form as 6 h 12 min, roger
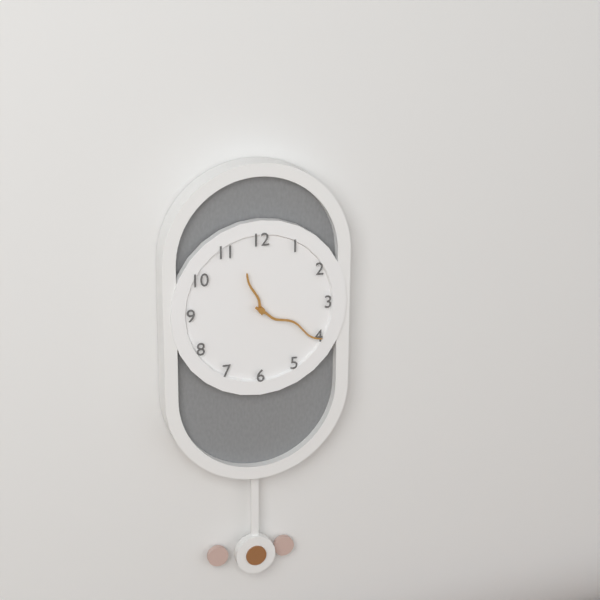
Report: 11 h 20 min
